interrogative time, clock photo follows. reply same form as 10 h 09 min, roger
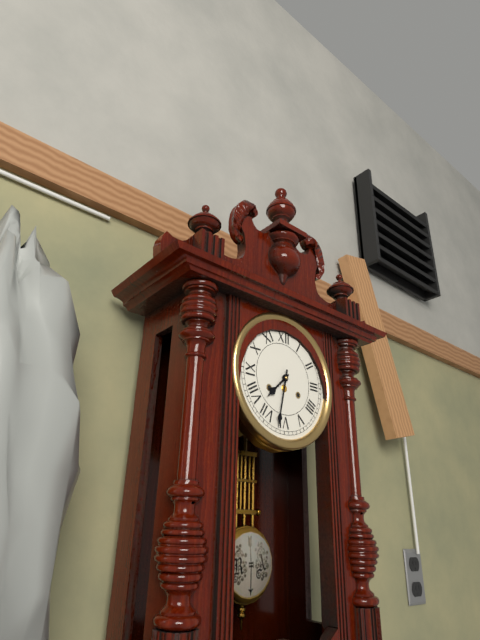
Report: 7 h 32 min
